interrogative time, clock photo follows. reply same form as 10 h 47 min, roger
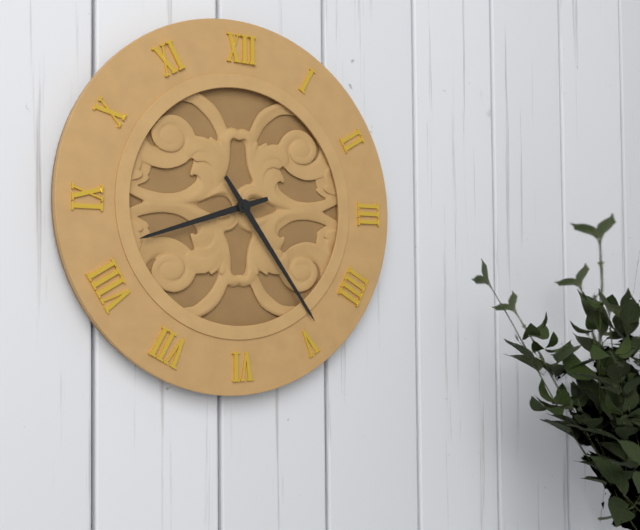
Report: 8 h 24 min
